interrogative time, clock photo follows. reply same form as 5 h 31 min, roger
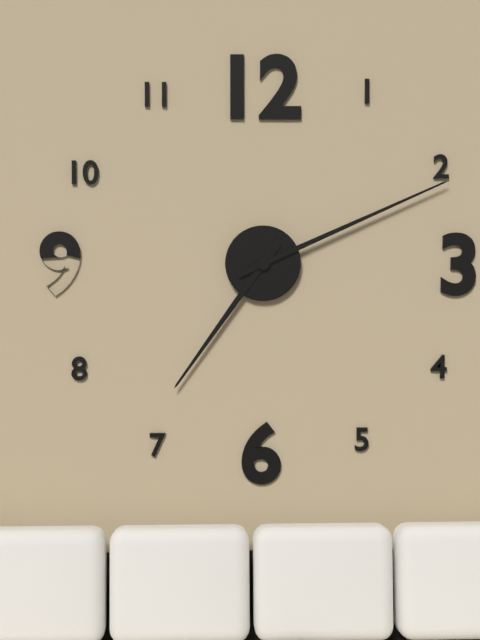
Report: 7 h 11 min
